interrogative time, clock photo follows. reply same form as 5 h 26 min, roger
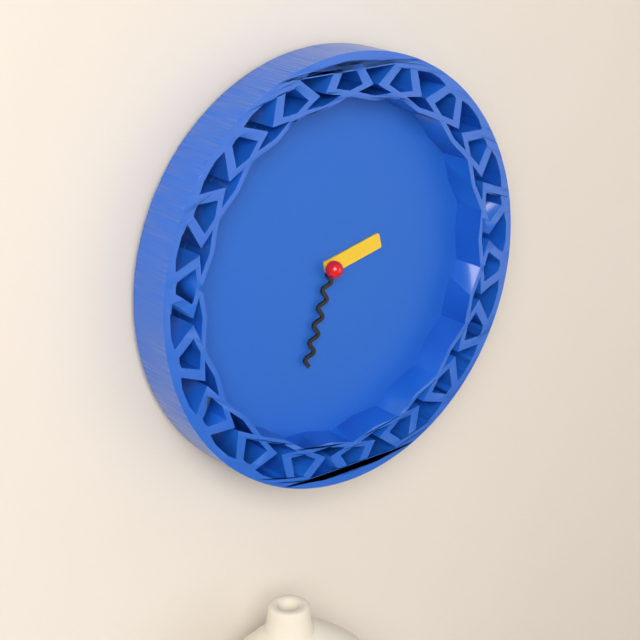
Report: 2 h 33 min
